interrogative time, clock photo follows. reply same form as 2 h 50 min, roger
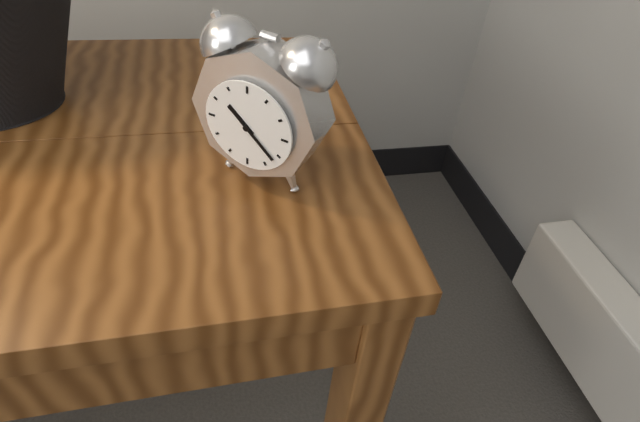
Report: 10 h 22 min
